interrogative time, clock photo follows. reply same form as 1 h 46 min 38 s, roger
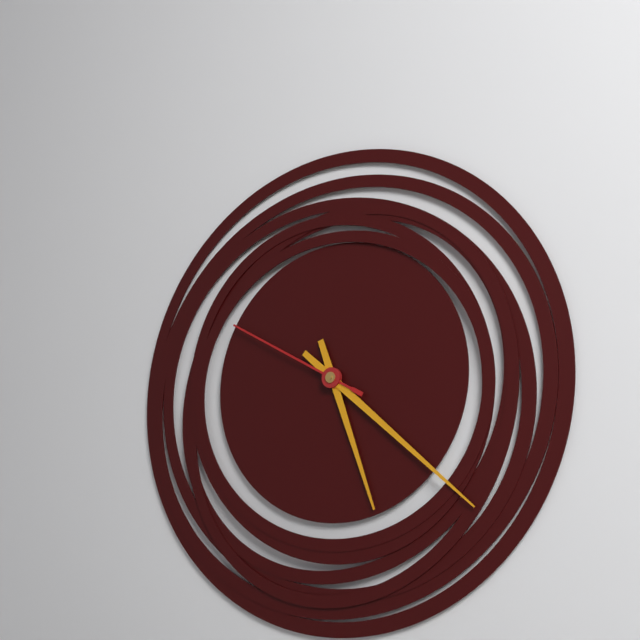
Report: 5 h 22 min 50 s
